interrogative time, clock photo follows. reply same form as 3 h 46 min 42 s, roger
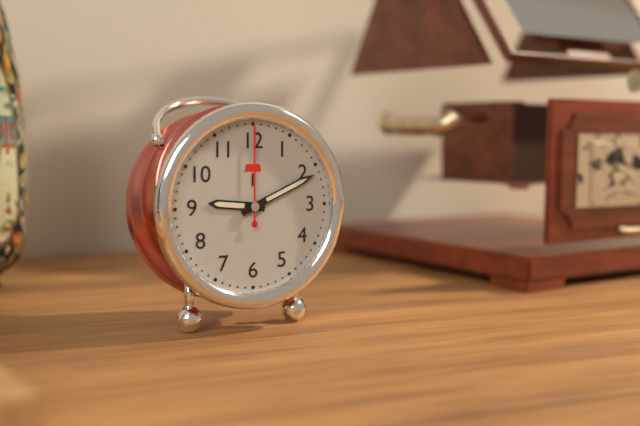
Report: 9 h 11 min 00 s
